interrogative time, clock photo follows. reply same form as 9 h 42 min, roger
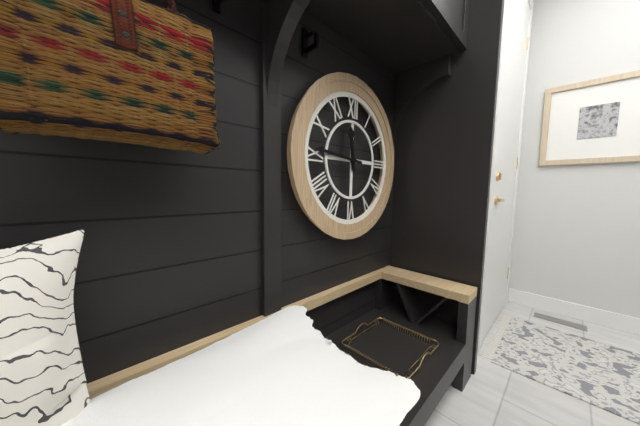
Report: 11 h 46 min
